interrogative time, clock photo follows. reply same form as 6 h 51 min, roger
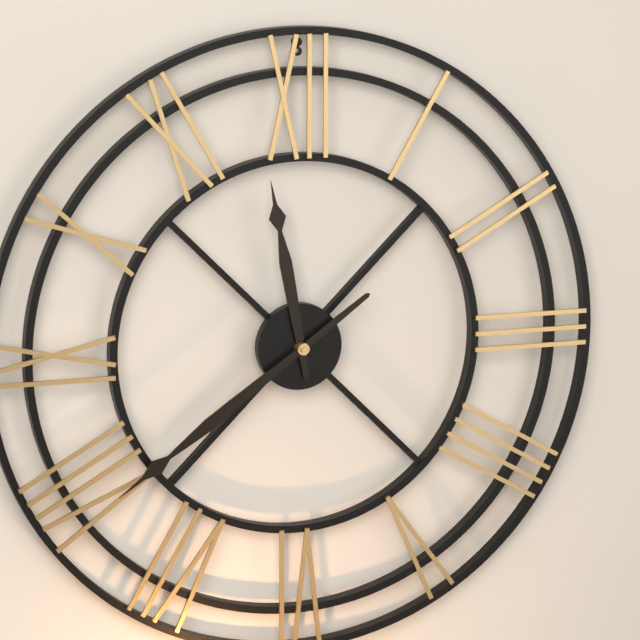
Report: 11 h 39 min
